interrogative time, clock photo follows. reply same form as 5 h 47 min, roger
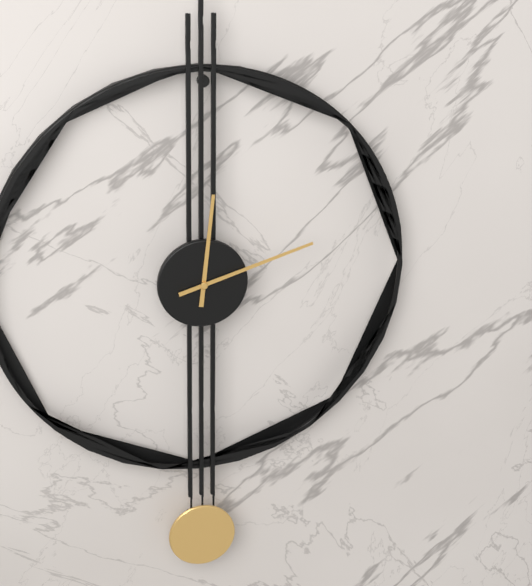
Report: 12 h 12 min
